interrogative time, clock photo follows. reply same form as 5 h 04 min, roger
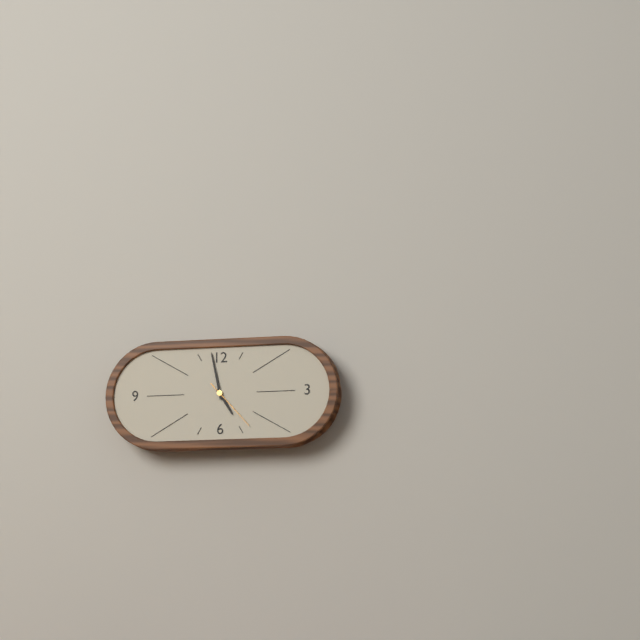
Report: 4 h 58 min
